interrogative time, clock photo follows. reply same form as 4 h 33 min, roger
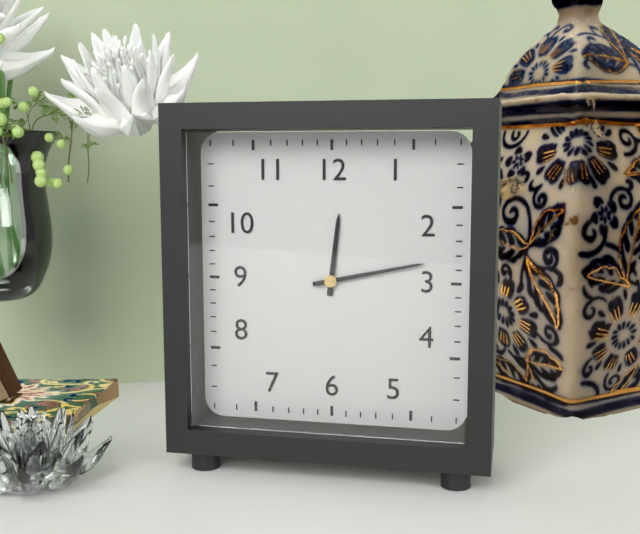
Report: 12 h 13 min
